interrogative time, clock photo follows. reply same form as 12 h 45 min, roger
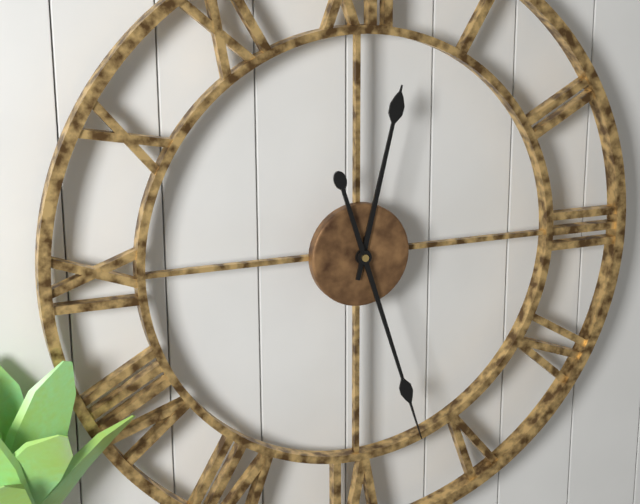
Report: 12 h 27 min
